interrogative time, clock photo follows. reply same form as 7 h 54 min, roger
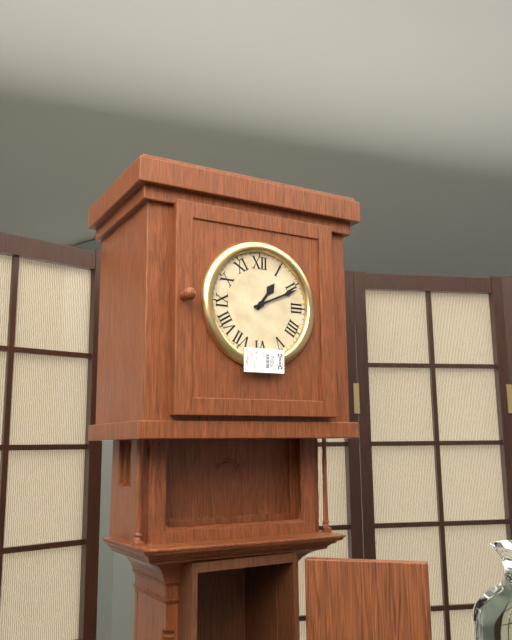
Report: 1 h 11 min
